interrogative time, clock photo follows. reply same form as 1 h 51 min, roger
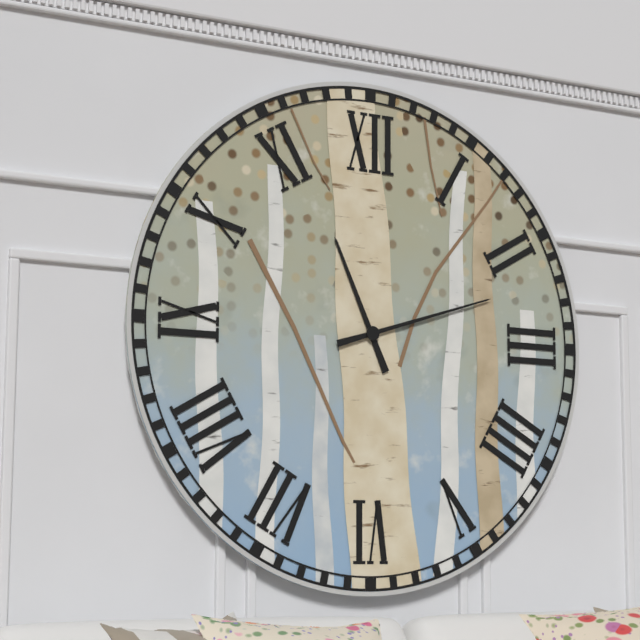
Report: 11 h 12 min
